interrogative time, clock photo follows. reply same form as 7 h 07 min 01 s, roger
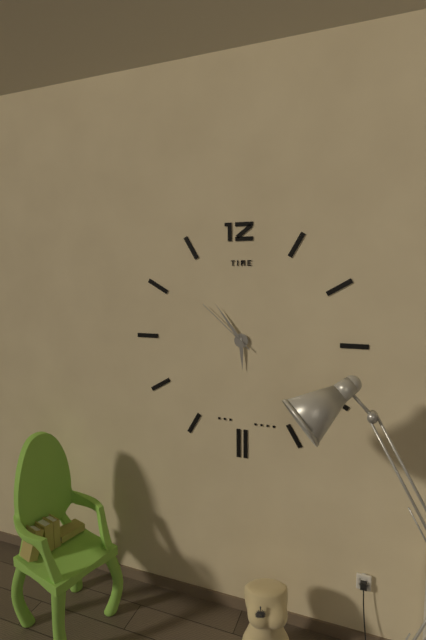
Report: 5 h 54 min 52 s
